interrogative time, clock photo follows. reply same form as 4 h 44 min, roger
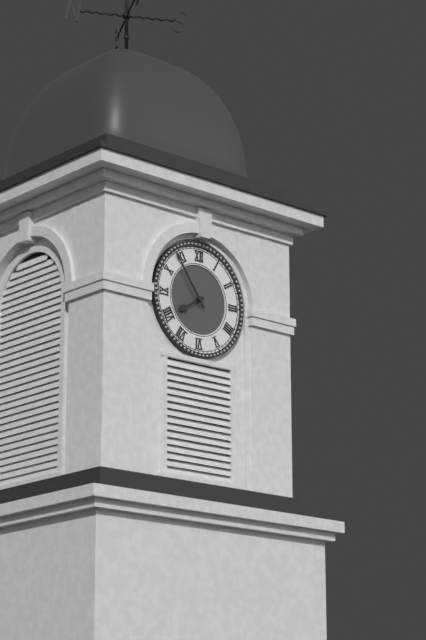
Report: 7 h 54 min
